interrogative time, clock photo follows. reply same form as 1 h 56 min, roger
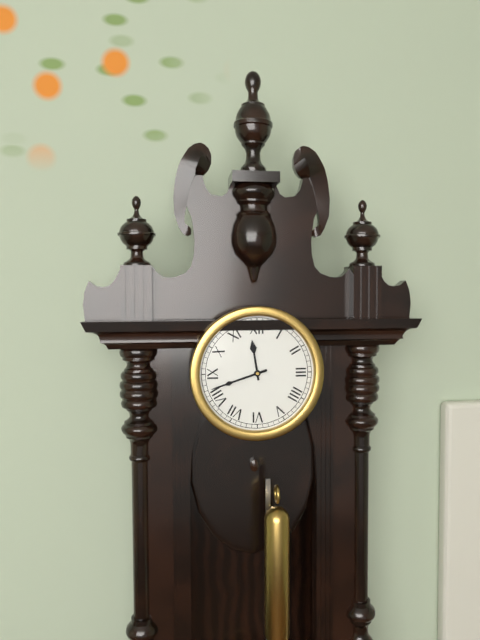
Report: 11 h 42 min
